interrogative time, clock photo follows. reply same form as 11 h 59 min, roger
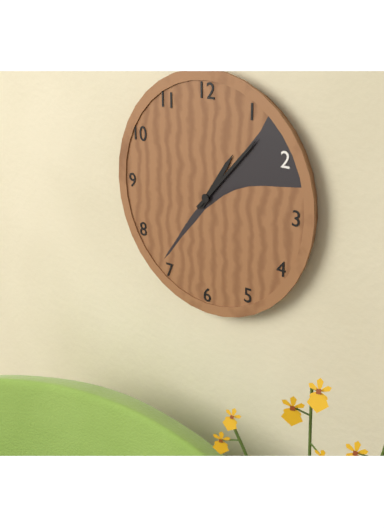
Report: 1 h 07 min
